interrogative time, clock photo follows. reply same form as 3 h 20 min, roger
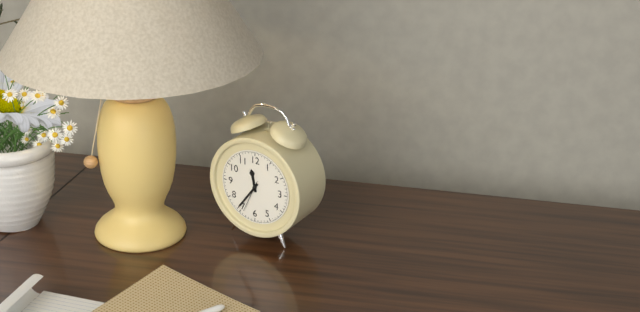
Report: 11 h 36 min
